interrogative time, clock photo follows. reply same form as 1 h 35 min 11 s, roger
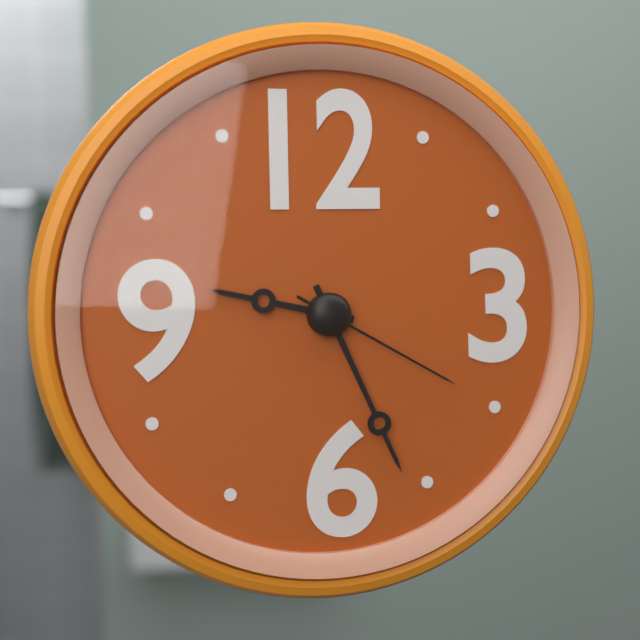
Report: 9 h 26 min 20 s
